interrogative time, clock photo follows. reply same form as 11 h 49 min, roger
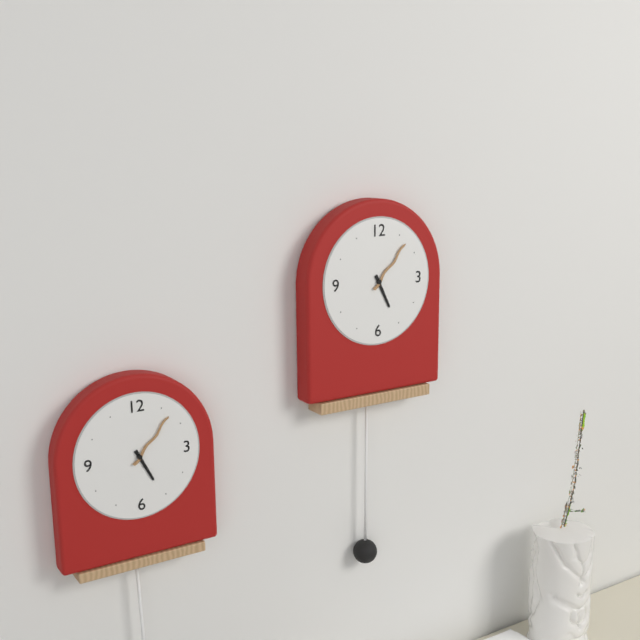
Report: 5 h 07 min
